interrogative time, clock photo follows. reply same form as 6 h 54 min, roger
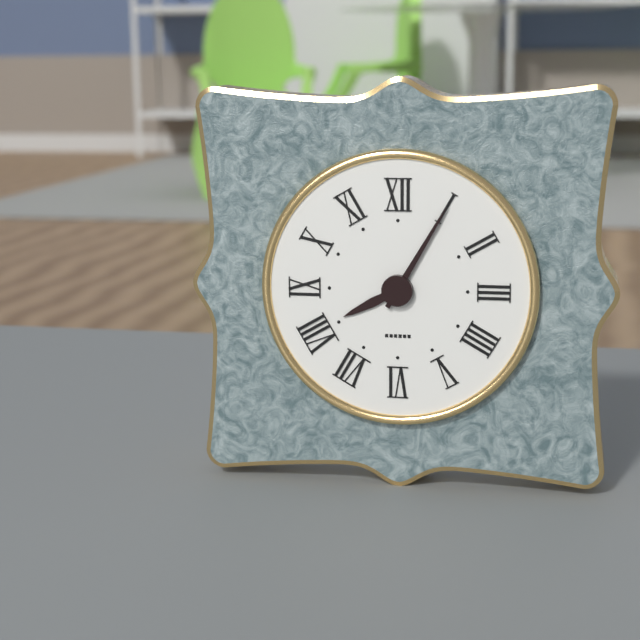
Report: 8 h 05 min
